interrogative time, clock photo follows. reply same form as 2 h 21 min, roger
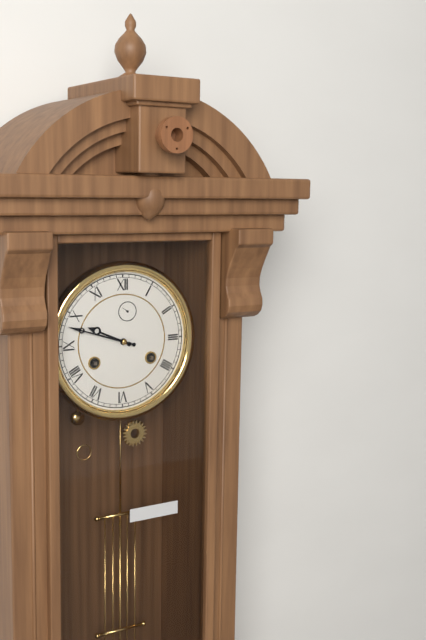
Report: 9 h 48 min
